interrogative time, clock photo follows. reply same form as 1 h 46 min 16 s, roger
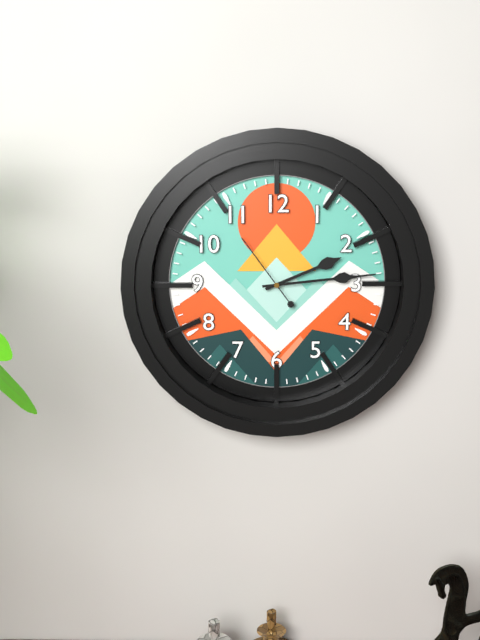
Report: 2 h 14 min 54 s
